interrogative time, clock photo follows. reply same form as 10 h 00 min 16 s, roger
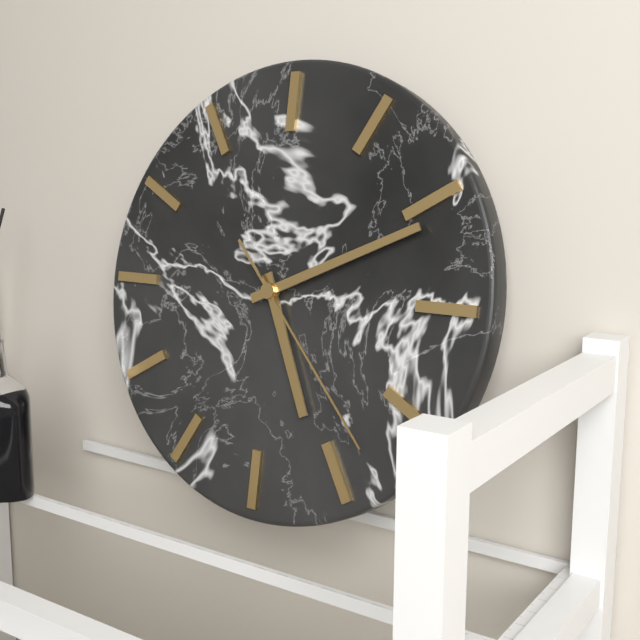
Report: 5 h 11 min 23 s
